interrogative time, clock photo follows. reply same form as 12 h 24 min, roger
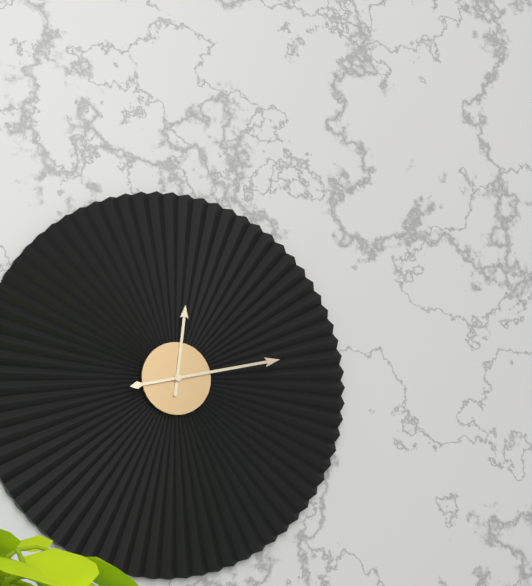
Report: 12 h 13 min
